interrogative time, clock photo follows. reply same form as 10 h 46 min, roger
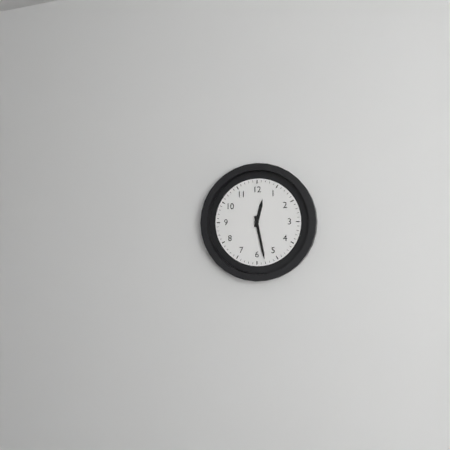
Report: 12 h 28 min
